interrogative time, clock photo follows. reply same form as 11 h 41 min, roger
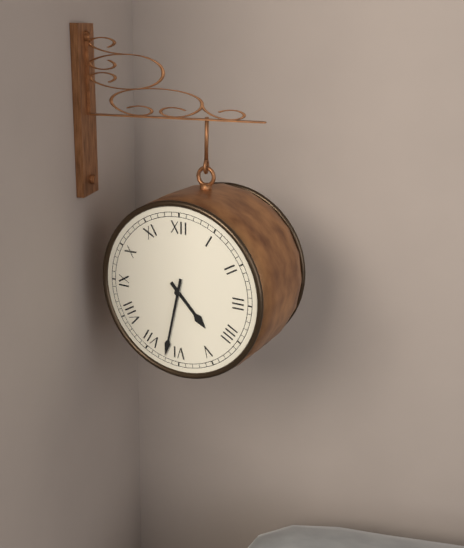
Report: 4 h 32 min
